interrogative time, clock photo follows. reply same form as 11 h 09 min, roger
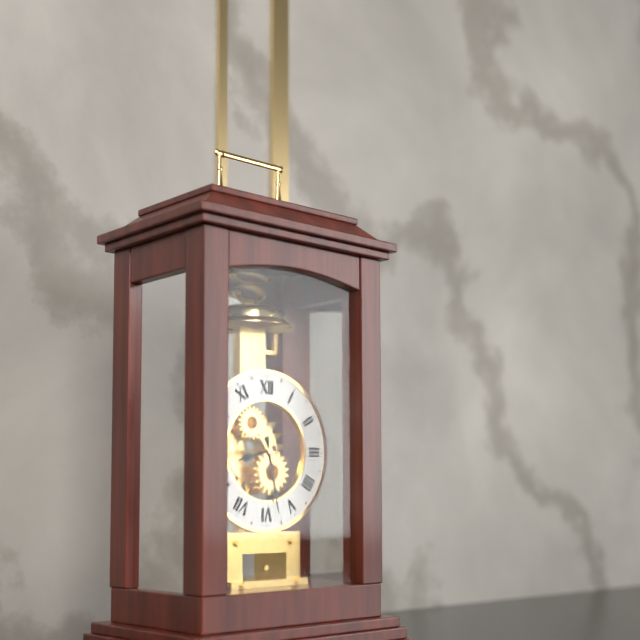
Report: 8 h 28 min
